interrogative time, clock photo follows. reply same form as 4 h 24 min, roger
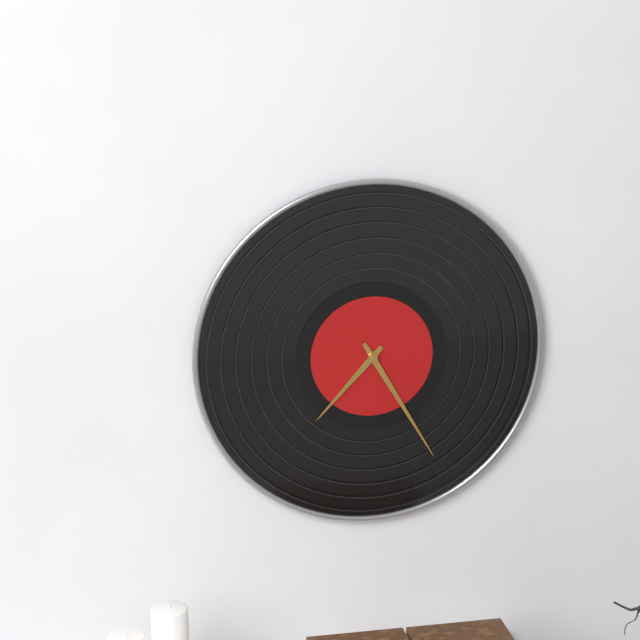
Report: 7 h 25 min
